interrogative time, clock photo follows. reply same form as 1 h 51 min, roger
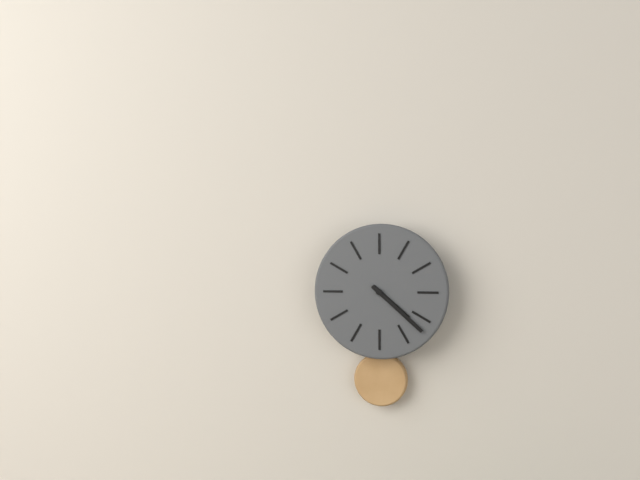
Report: 4 h 22 min
